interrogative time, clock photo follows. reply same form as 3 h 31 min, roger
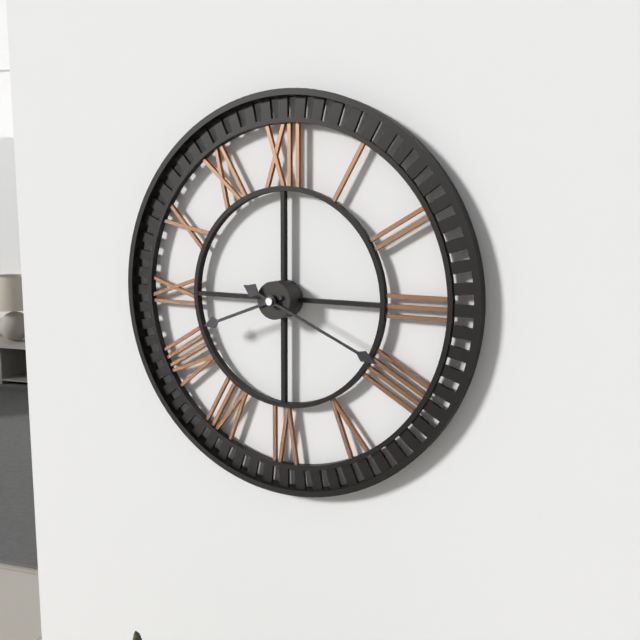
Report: 8 h 19 min
